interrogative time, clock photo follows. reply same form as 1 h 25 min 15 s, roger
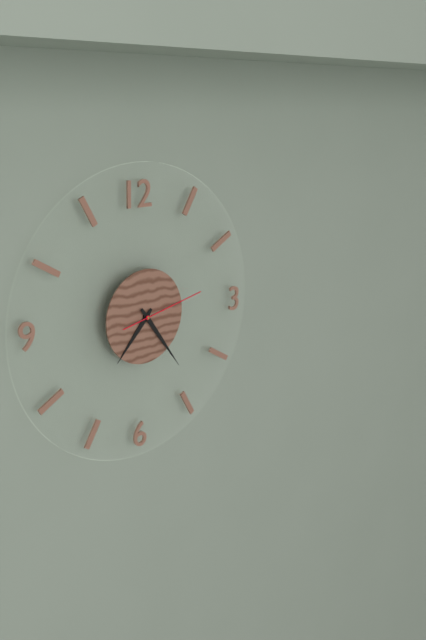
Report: 7 h 24 min 13 s
